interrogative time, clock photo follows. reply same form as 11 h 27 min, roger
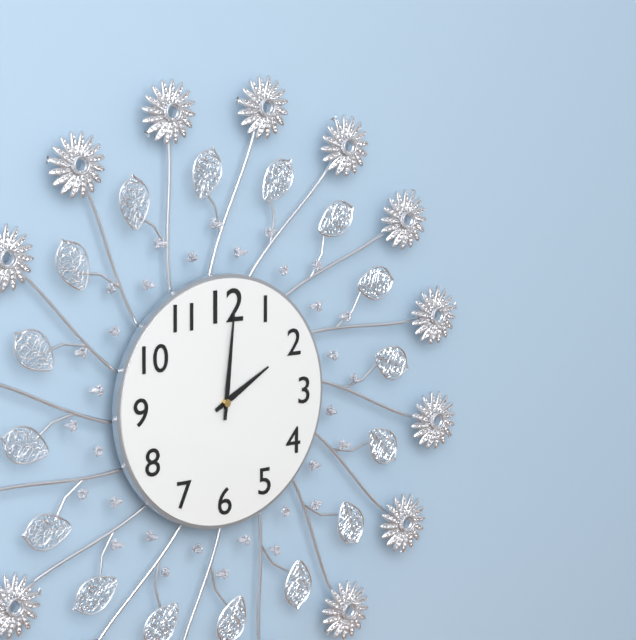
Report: 2 h 01 min
